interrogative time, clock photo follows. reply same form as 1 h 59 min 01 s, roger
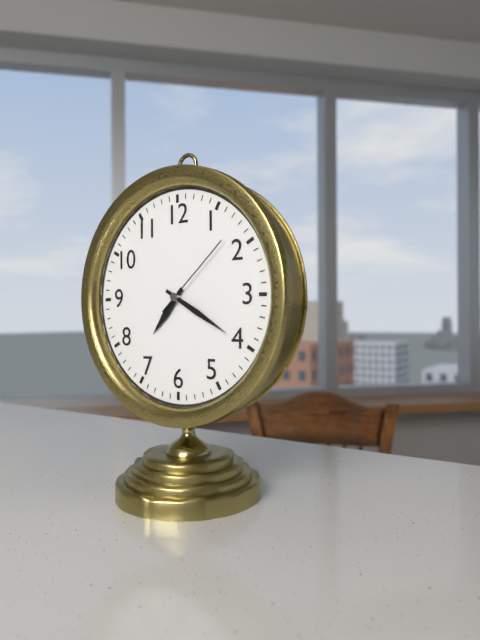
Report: 7 h 20 min 08 s
